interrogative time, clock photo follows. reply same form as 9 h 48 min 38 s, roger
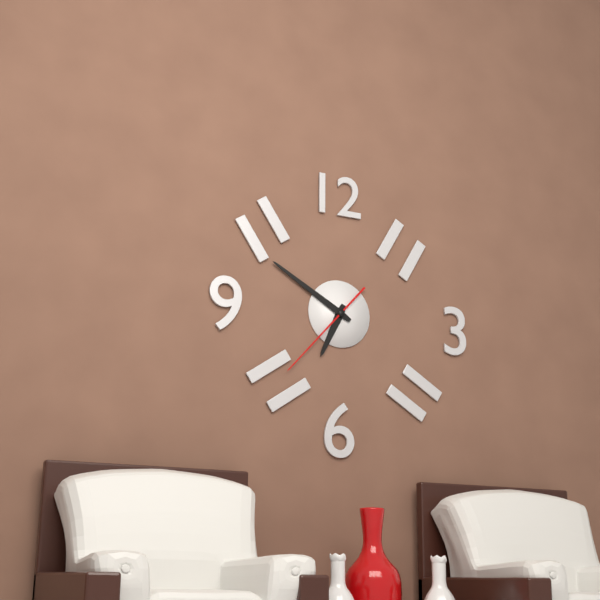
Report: 6 h 50 min 37 s
